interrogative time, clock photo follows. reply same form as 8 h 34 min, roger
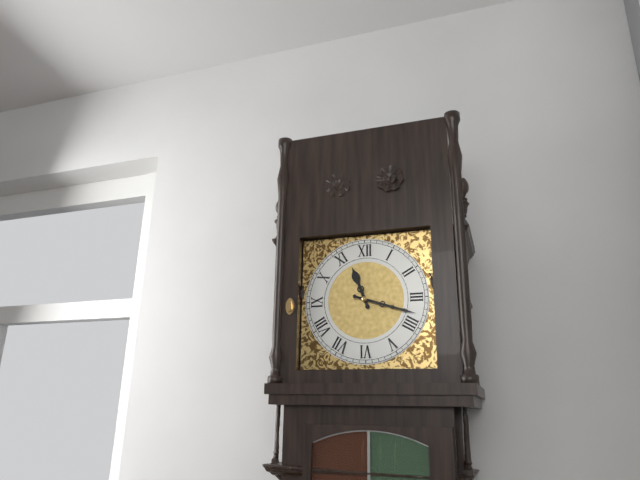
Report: 11 h 18 min
